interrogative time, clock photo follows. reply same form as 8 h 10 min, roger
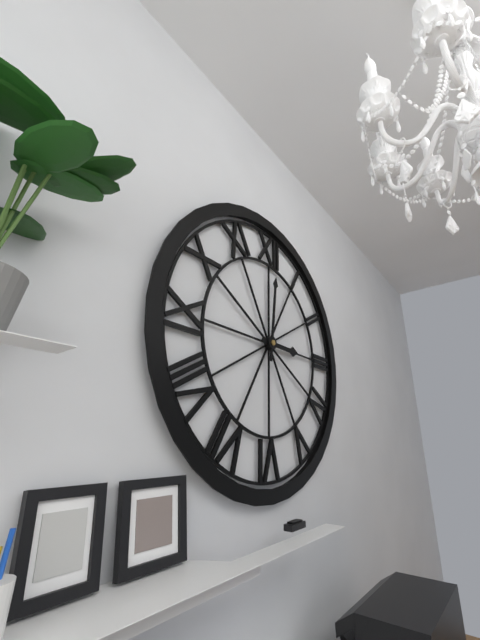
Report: 3 h 01 min
